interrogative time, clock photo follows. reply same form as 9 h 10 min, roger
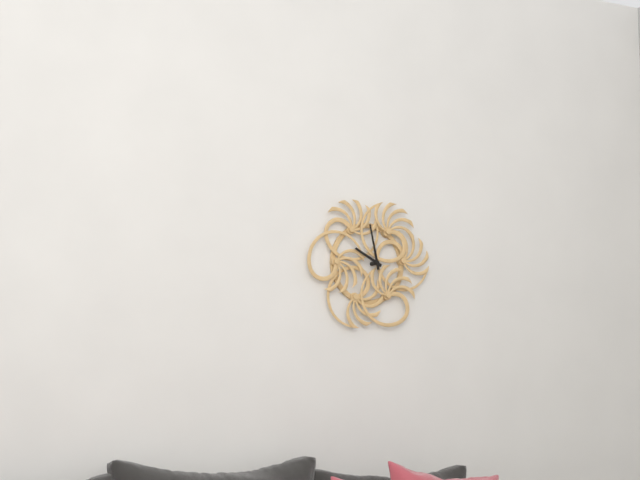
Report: 9 h 58 min
